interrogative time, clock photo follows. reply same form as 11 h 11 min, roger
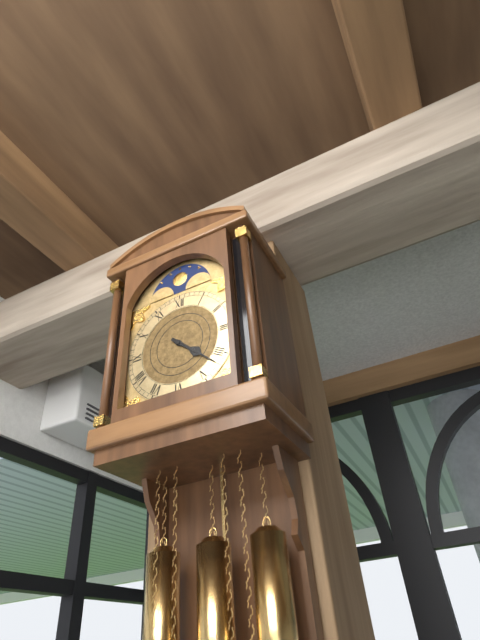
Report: 4 h 22 min
